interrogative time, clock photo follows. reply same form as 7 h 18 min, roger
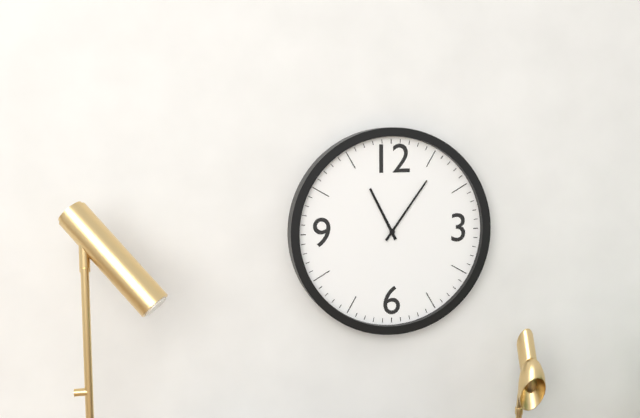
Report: 11 h 06 min
